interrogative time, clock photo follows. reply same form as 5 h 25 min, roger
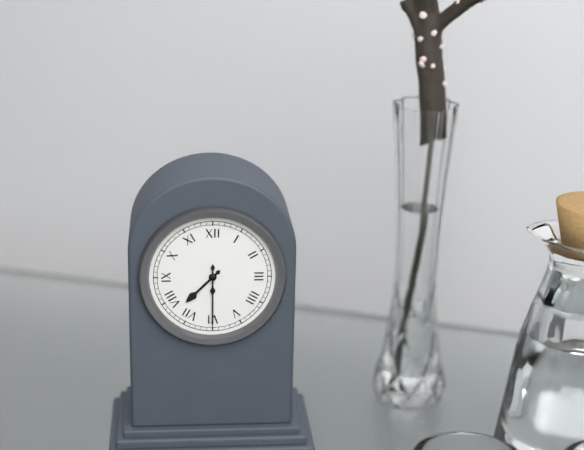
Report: 7 h 30 min
